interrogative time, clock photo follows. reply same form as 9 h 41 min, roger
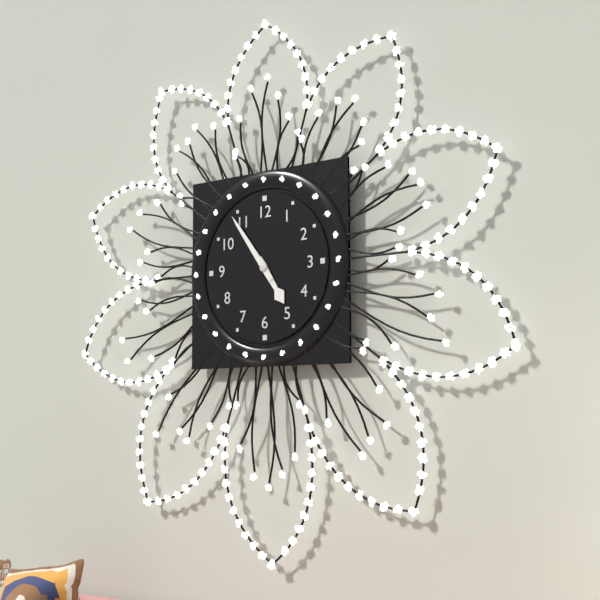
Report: 4 h 54 min
